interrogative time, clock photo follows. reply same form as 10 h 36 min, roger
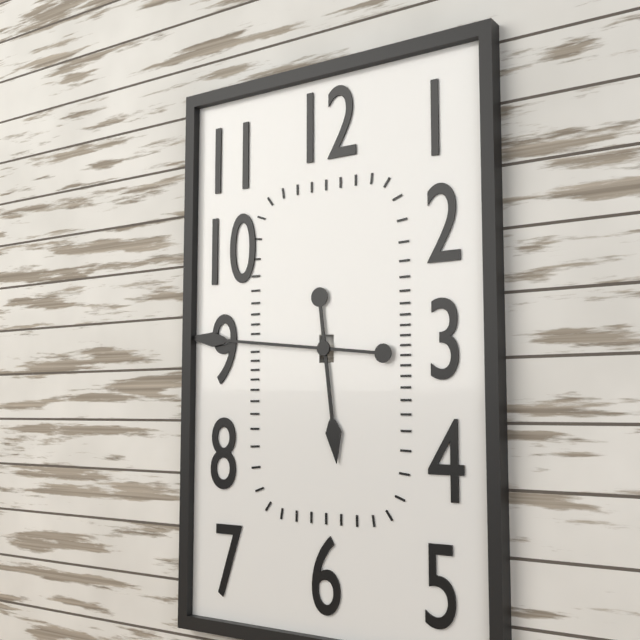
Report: 5 h 46 min
